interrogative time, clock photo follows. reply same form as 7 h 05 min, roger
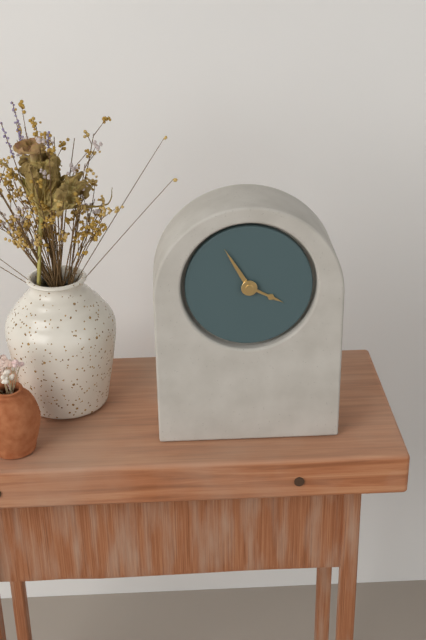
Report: 3 h 55 min
